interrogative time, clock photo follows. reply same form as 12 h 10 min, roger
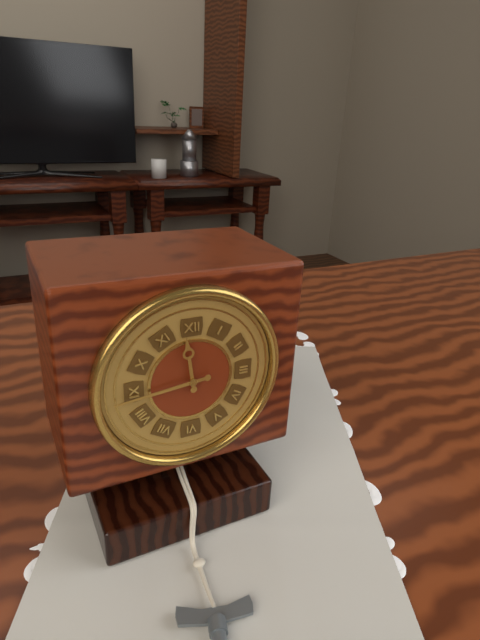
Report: 11 h 44 min
